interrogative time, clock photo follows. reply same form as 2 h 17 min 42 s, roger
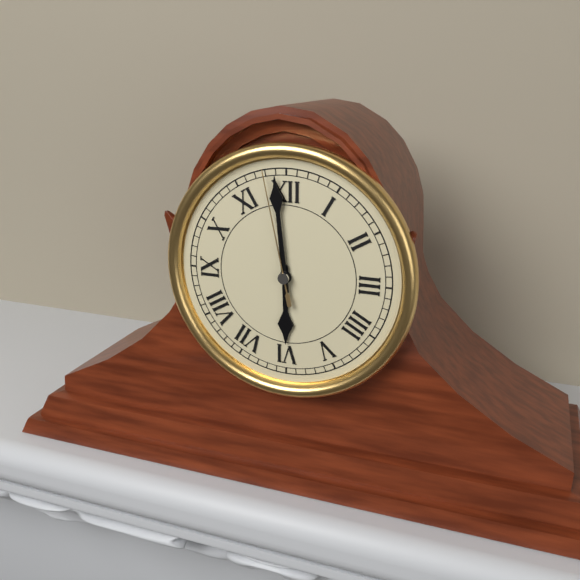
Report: 5 h 59 min 58 s
